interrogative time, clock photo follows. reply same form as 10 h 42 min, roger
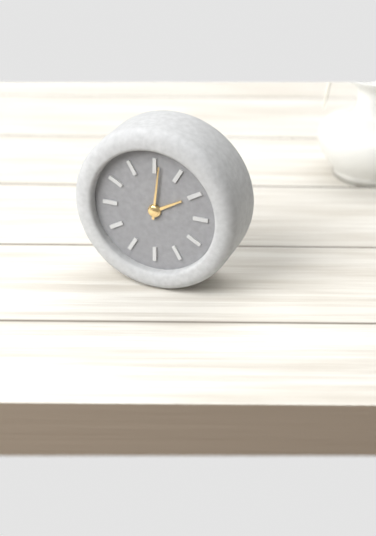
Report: 2 h 01 min
